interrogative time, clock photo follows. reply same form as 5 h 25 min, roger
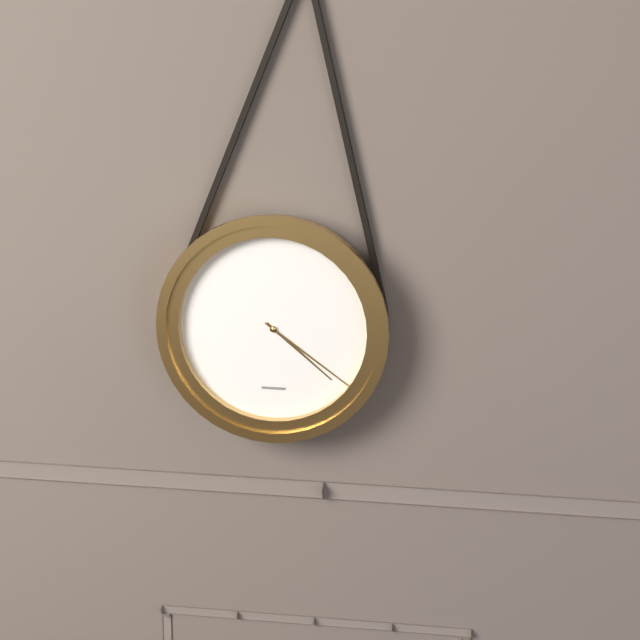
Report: 4 h 21 min
